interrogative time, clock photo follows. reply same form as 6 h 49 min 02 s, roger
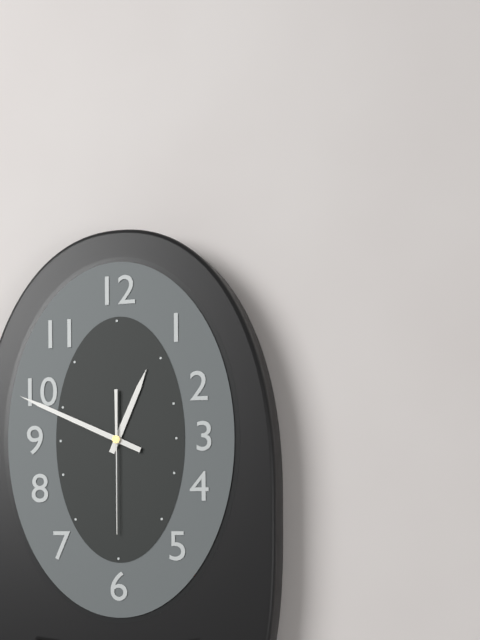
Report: 12 h 49 min 30 s
